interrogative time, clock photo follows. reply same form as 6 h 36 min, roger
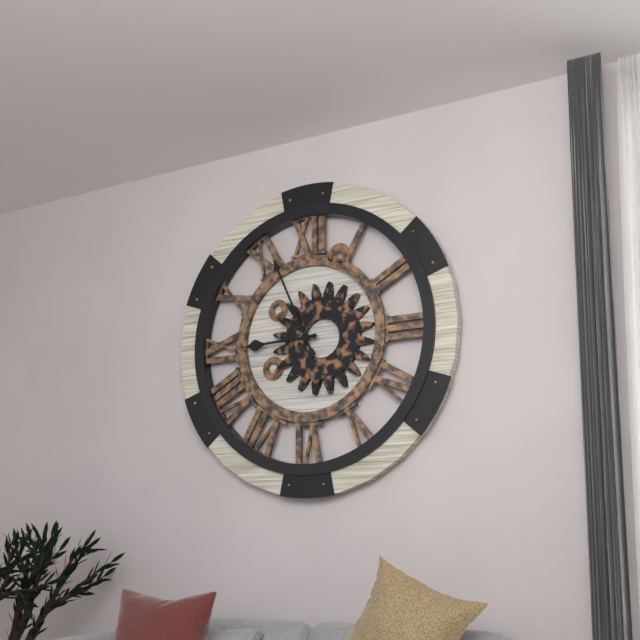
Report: 8 h 56 min
